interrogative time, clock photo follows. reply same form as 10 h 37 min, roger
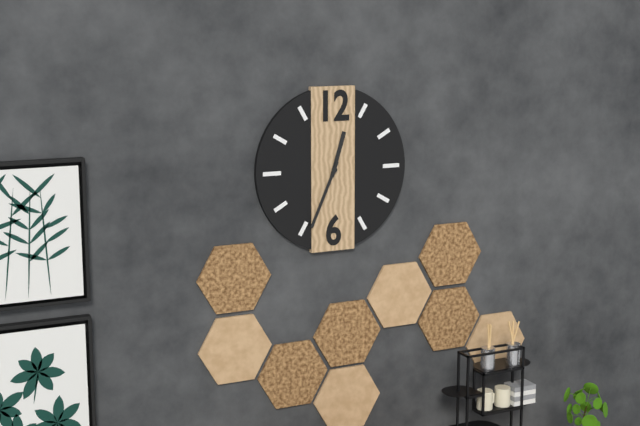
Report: 12 h 34 min
